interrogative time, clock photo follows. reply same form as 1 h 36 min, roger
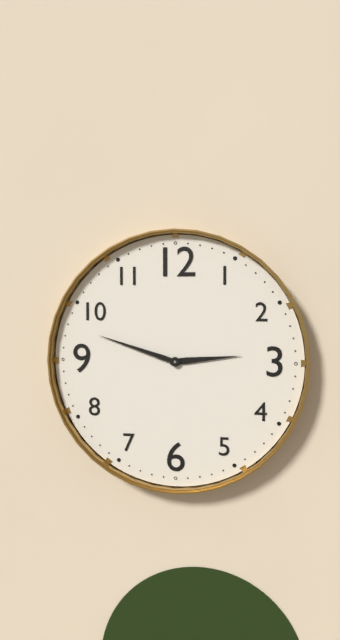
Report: 2 h 48 min
